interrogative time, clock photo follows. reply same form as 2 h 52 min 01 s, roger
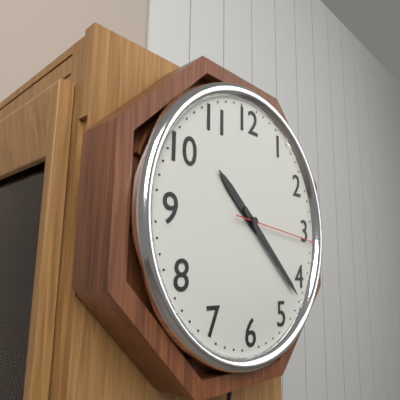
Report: 10 h 22 min 16 s
